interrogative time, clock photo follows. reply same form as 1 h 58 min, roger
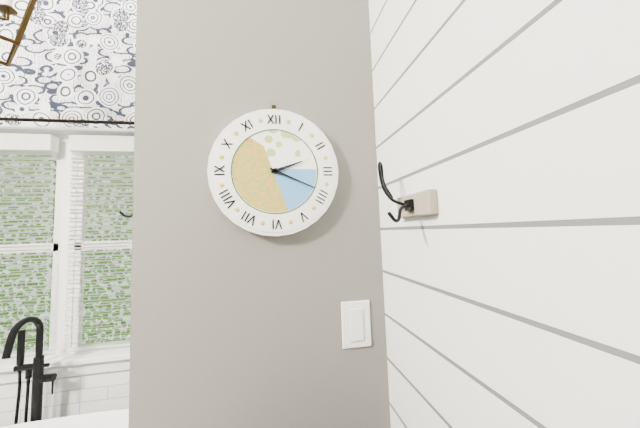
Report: 2 h 19 min
